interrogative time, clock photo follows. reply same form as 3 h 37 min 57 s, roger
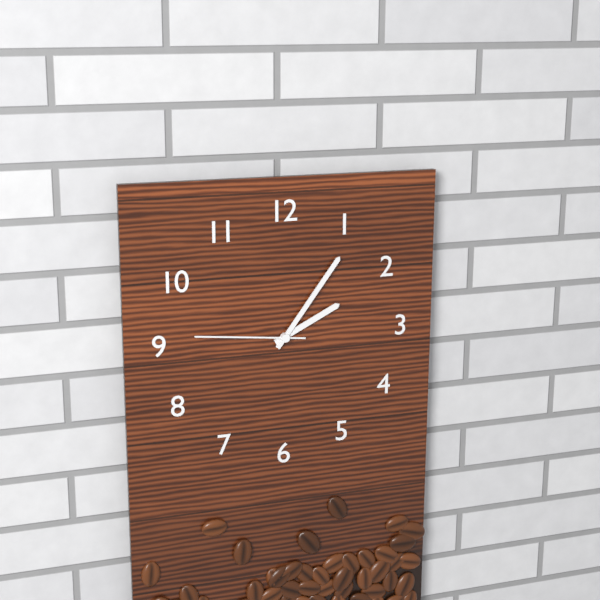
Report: 2 h 06 min 46 s
